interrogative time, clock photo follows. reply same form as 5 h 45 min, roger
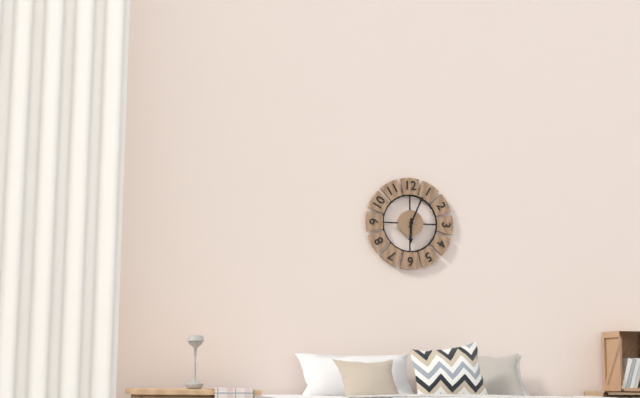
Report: 6 h 04 min
